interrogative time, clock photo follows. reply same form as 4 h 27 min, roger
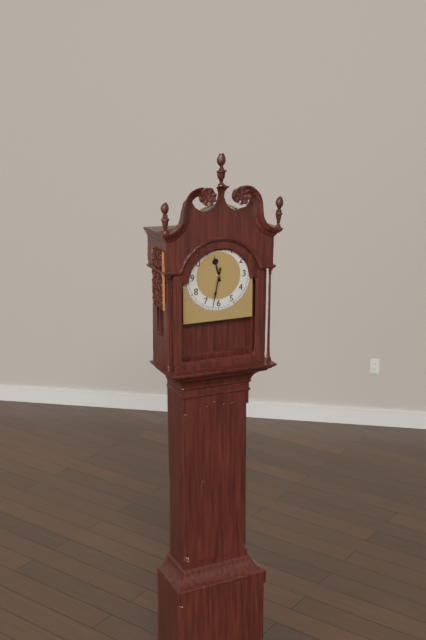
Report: 11 h 32 min
